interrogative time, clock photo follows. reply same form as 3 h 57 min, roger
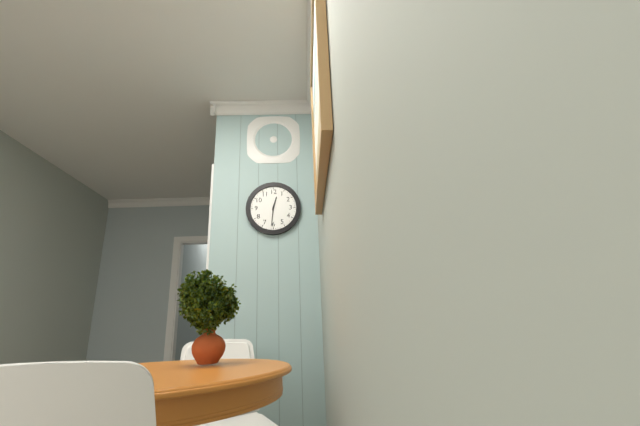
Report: 12 h 31 min
